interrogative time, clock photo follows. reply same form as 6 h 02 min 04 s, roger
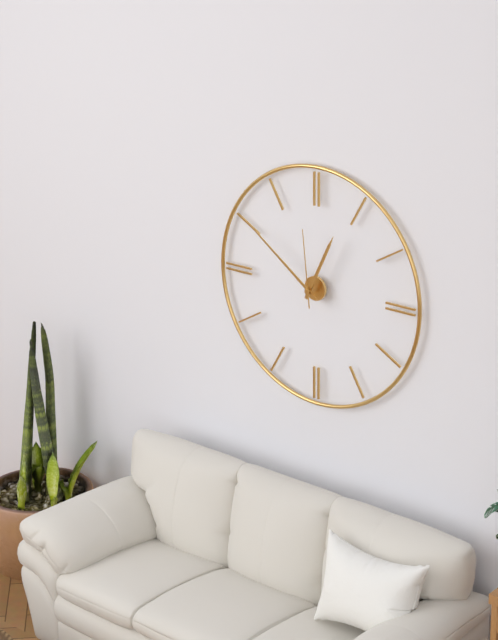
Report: 12 h 51 min 59 s
